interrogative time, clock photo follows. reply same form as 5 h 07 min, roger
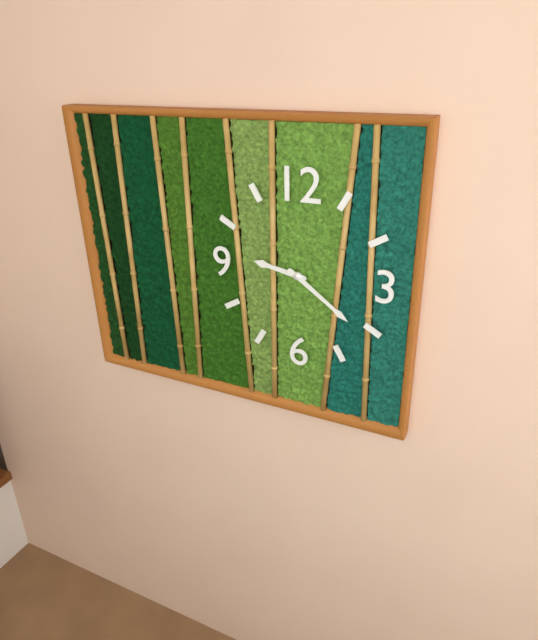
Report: 9 h 21 min
